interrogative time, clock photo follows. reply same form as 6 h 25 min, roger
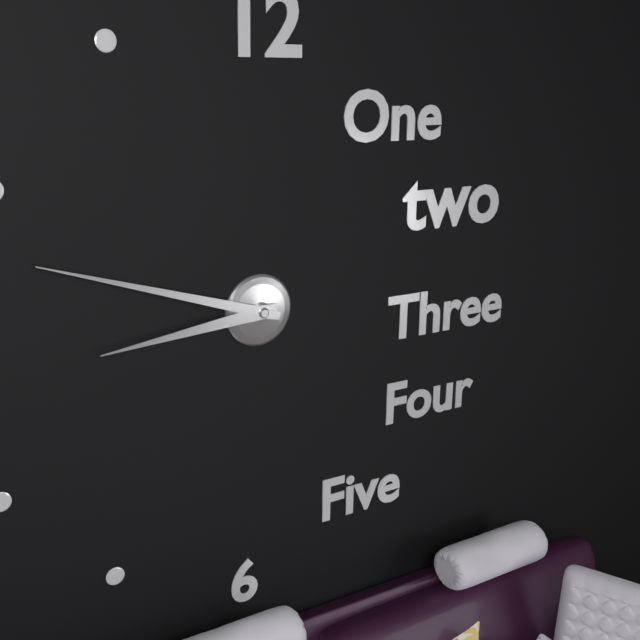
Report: 8 h 48 min
